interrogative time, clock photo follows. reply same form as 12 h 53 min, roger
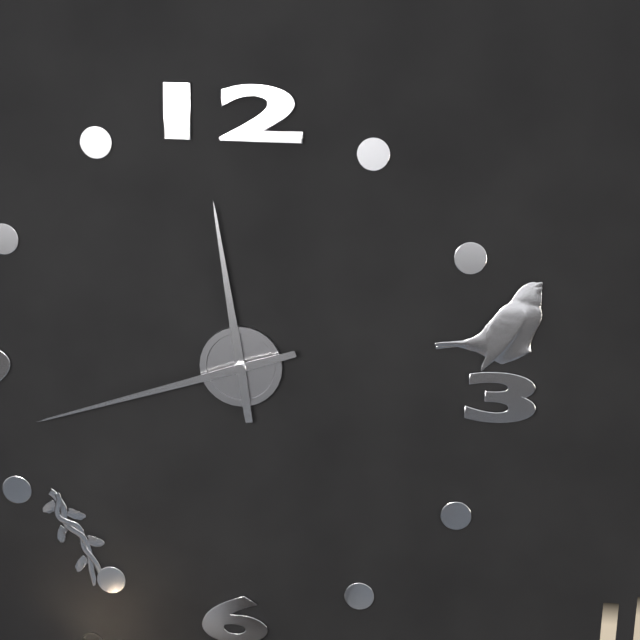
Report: 11 h 42 min
